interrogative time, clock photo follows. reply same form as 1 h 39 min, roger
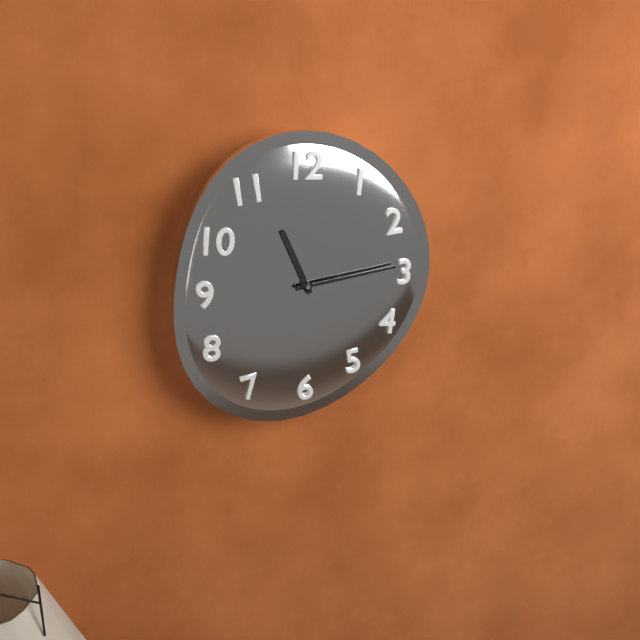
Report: 11 h 14 min
